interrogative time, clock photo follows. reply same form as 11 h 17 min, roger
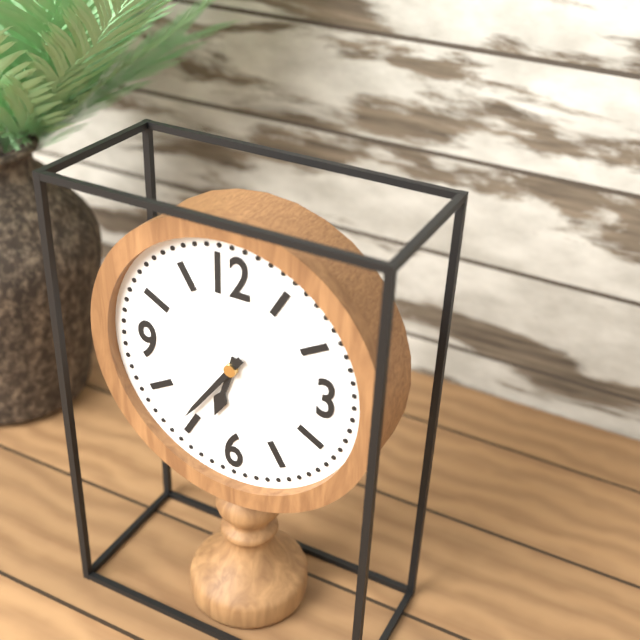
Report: 6 h 36 min
